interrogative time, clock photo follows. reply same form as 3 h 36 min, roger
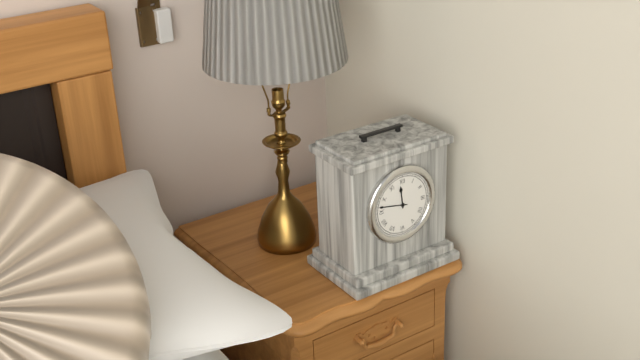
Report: 11 h 47 min
